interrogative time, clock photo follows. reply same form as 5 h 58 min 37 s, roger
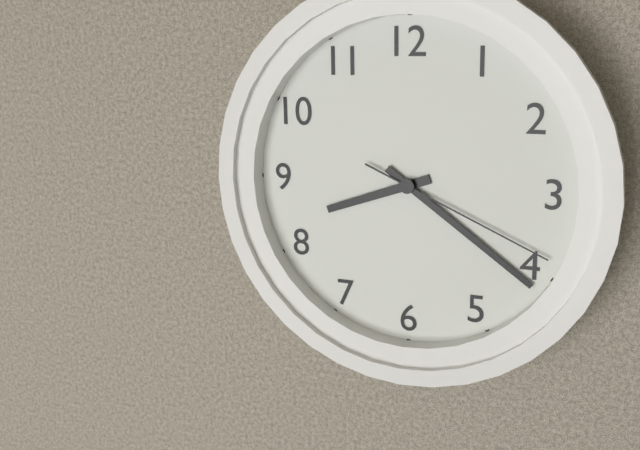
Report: 8 h 21 min 19 s
